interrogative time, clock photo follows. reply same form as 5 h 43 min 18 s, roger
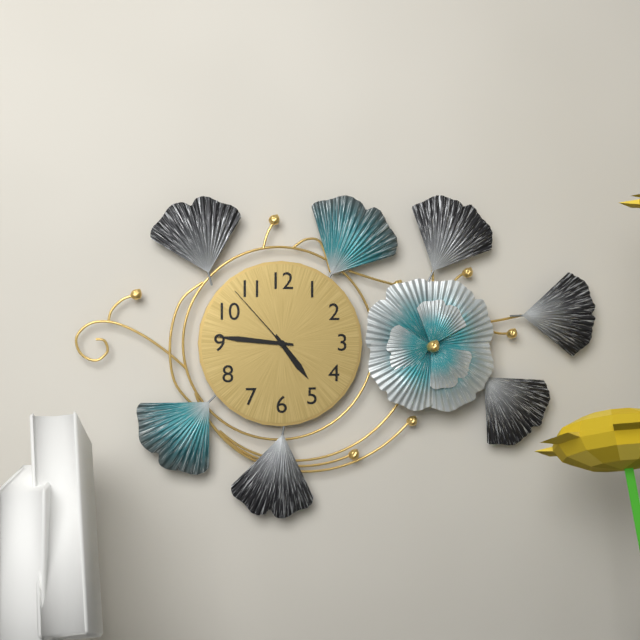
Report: 4 h 46 min 53 s
